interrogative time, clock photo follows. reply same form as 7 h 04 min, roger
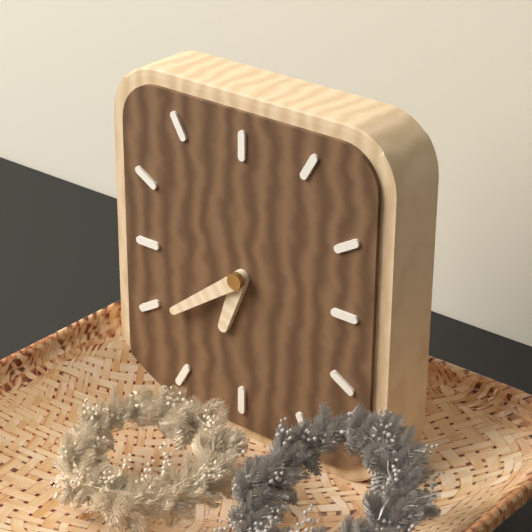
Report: 6 h 39 min
